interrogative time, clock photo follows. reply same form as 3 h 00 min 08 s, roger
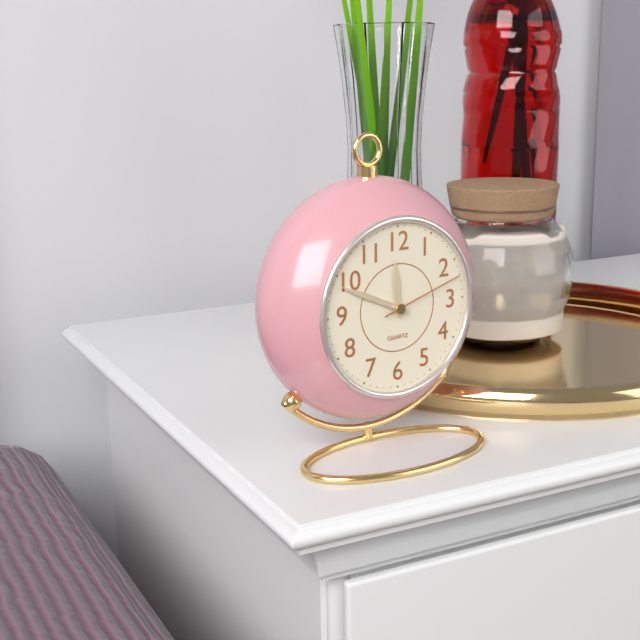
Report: 11 h 49 min 12 s
